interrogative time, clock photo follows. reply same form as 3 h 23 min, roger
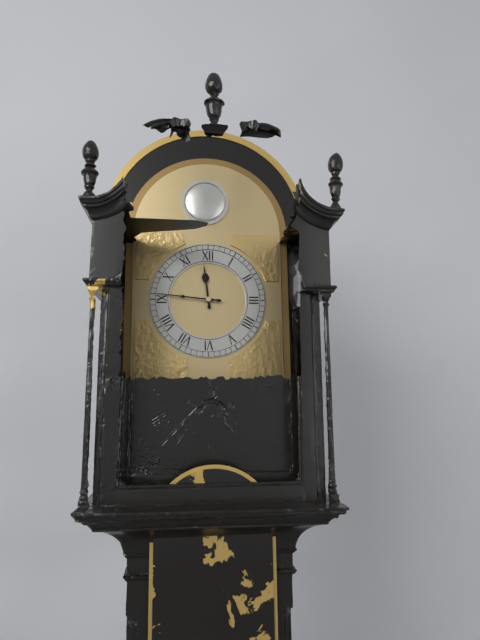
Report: 11 h 46 min
